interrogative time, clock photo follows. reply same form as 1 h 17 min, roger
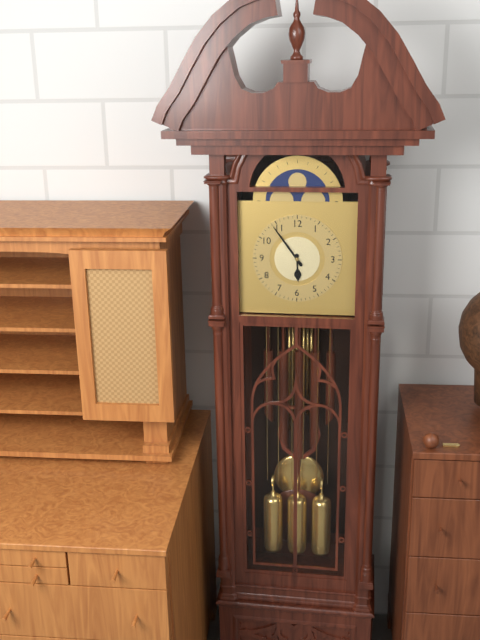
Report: 5 h 54 min
